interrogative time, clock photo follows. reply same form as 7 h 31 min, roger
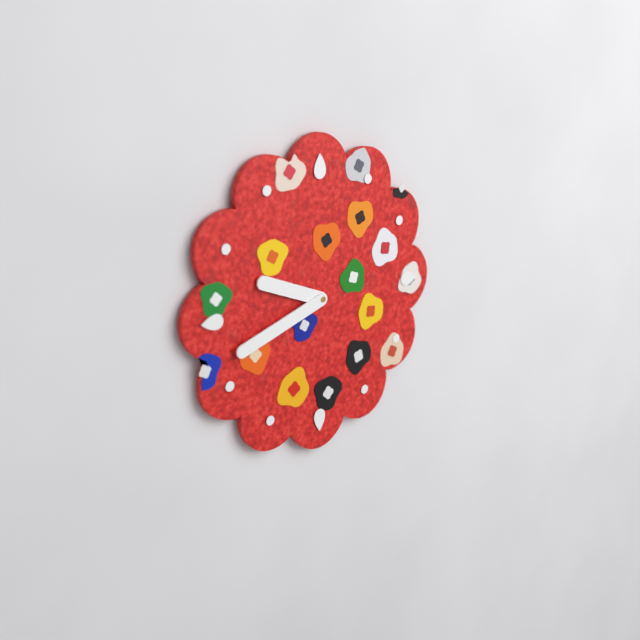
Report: 9 h 42 min
